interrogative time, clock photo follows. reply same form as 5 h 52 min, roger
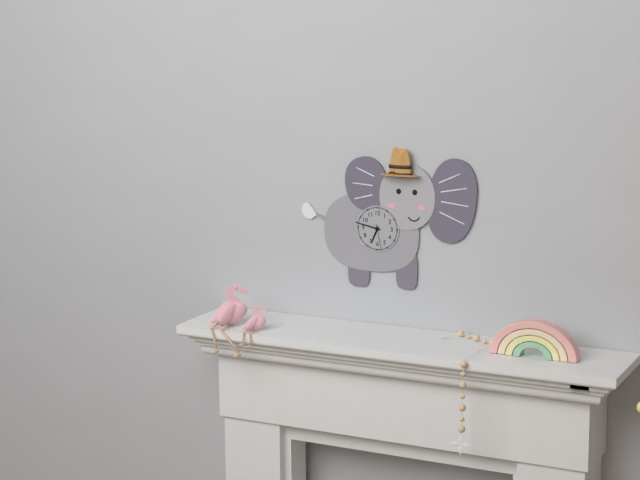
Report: 6 h 47 min
